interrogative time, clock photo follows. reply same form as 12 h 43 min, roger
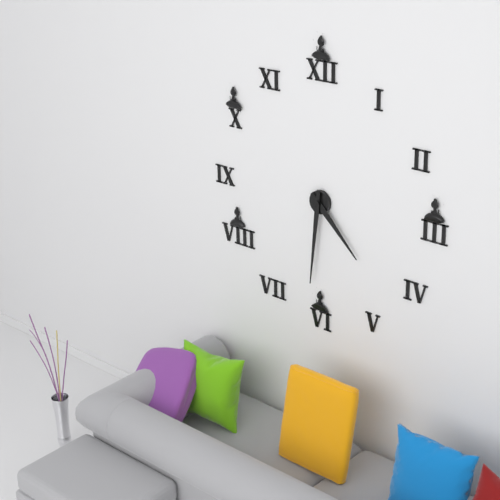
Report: 4 h 31 min
